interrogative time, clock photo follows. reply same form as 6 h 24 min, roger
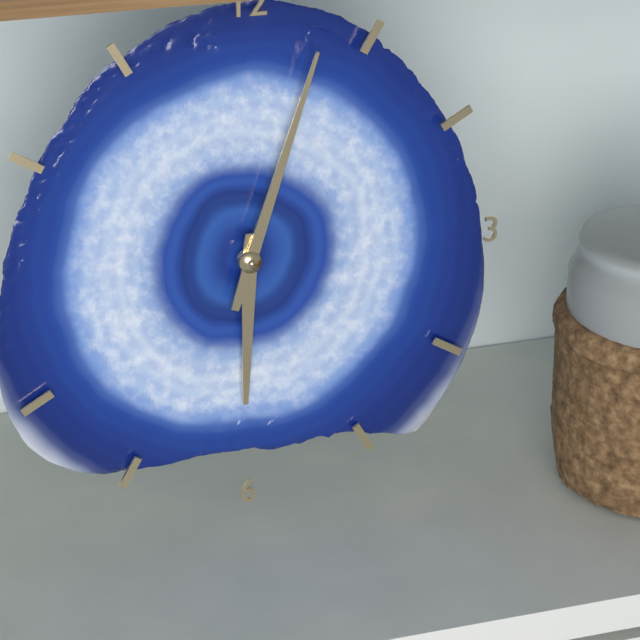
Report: 6 h 03 min
